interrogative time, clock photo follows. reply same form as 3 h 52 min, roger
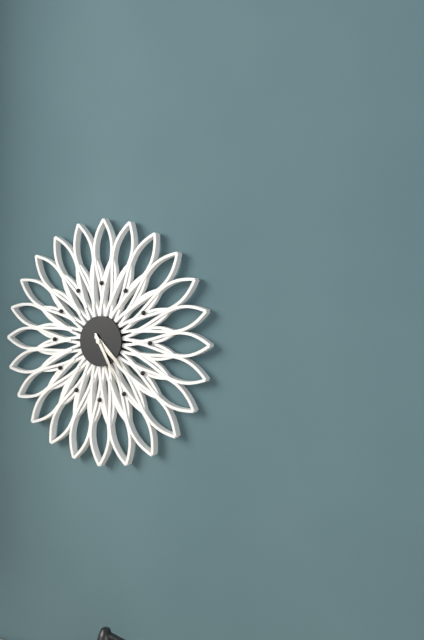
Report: 4 h 25 min
